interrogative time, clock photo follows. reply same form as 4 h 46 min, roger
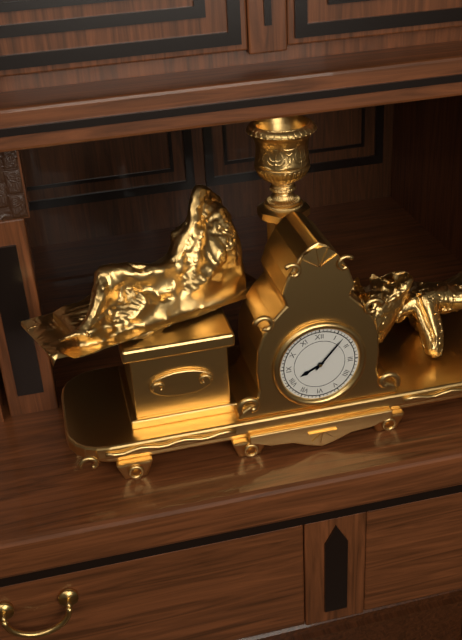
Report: 8 h 07 min
